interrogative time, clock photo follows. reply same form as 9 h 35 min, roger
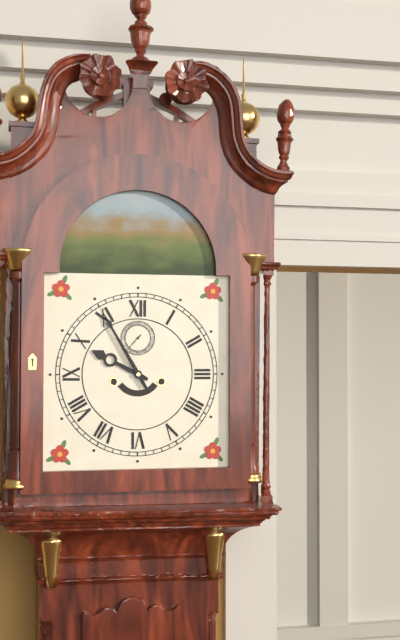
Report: 9 h 55 min
